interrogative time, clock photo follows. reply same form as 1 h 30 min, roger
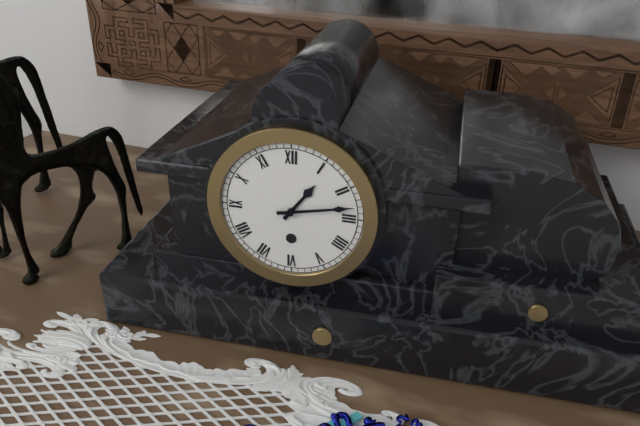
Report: 1 h 13 min
